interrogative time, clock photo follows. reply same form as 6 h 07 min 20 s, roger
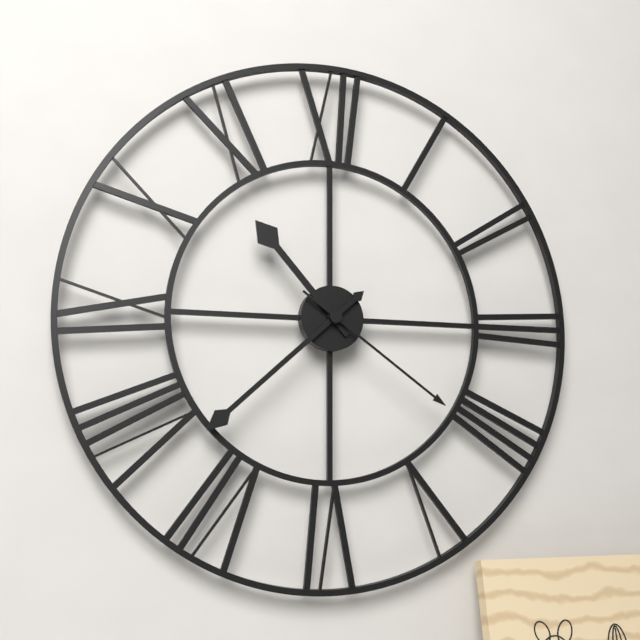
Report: 10 h 38 min 21 s
